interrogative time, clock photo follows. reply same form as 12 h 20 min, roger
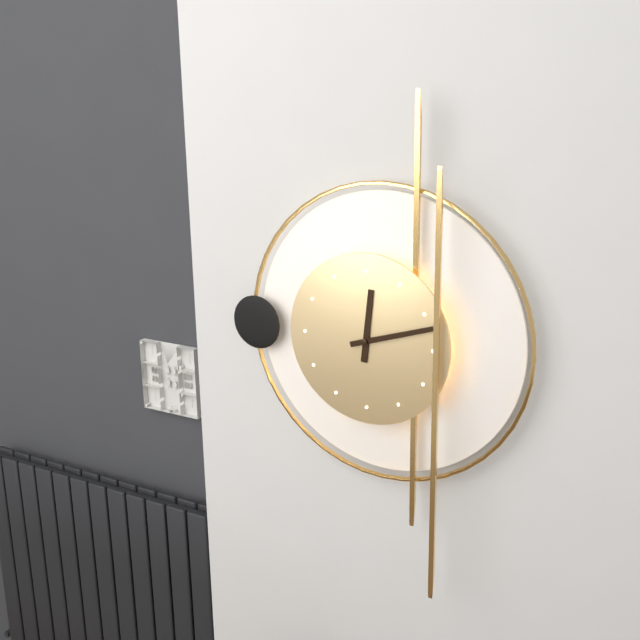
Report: 12 h 12 min
